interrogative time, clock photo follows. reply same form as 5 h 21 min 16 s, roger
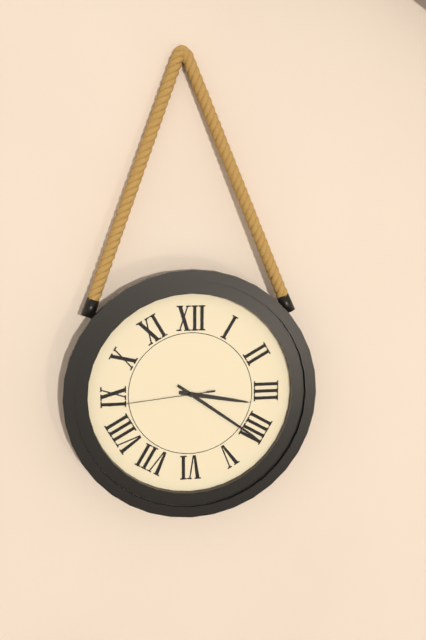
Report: 3 h 21 min 44 s
